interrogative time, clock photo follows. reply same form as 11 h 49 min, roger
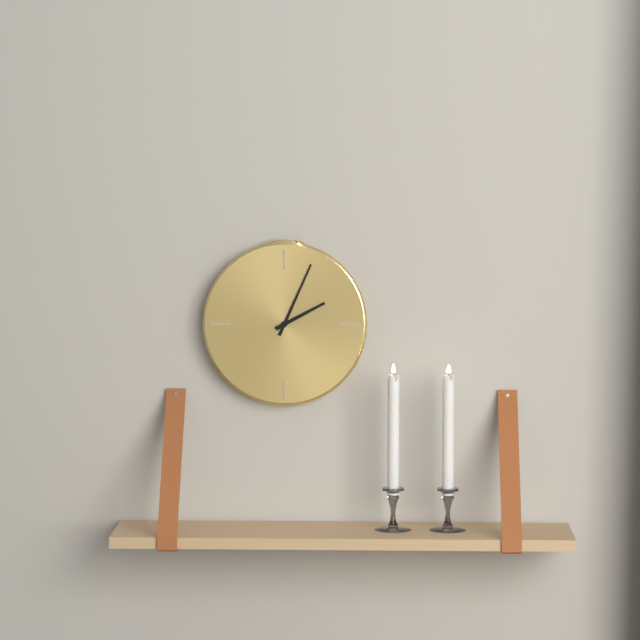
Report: 2 h 04 min
